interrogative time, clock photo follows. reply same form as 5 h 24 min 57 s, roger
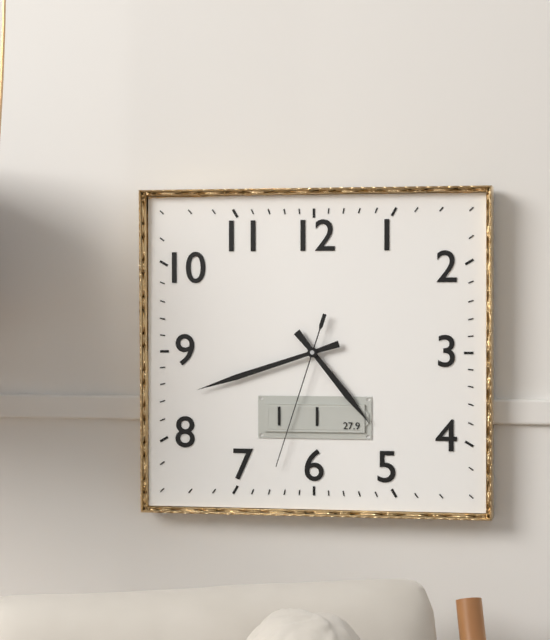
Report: 4 h 42 min 33 s
